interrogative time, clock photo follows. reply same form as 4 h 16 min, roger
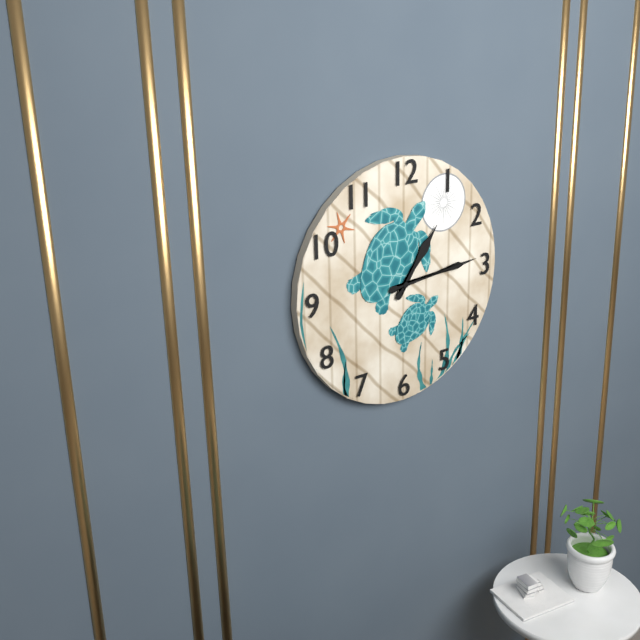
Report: 1 h 14 min
